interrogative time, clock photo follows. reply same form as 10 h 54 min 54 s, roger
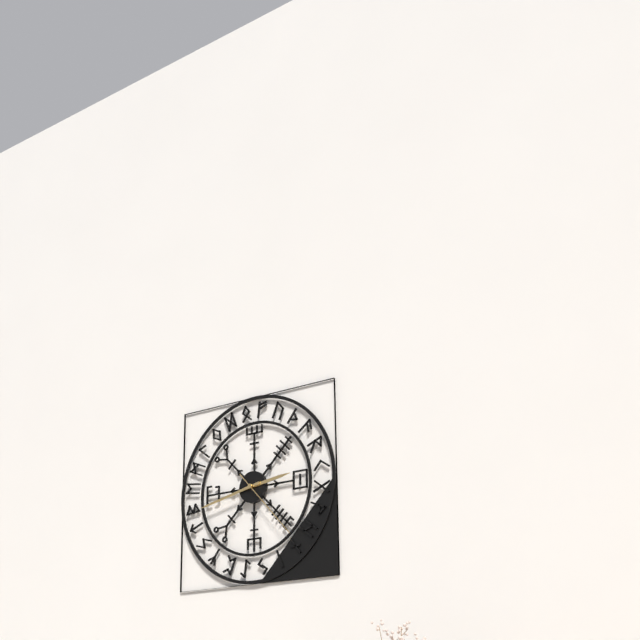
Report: 2 h 43 min 23 s
